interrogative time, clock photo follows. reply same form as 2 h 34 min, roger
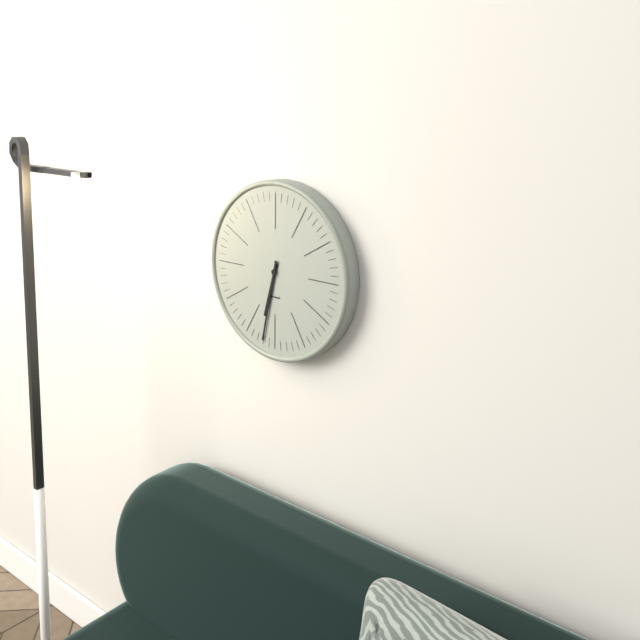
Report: 6 h 32 min
